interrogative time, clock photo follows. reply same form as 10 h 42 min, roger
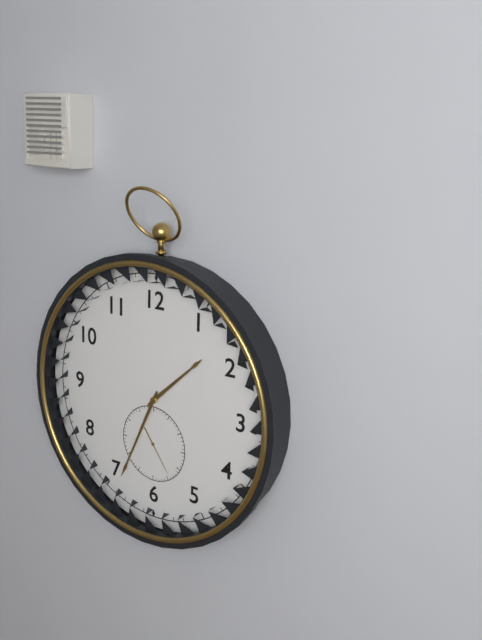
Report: 1 h 34 min
